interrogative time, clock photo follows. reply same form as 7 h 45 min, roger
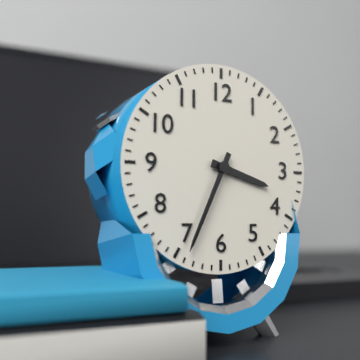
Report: 3 h 34 min
